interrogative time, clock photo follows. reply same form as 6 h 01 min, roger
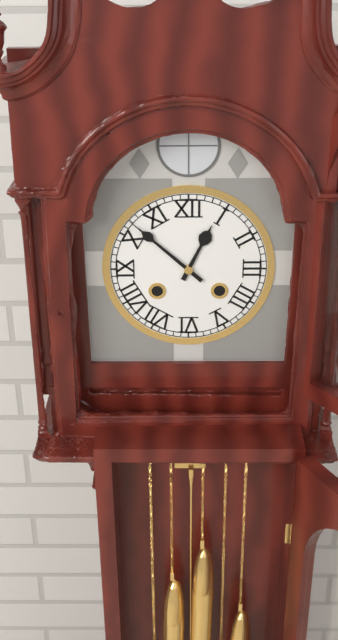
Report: 12 h 52 min
